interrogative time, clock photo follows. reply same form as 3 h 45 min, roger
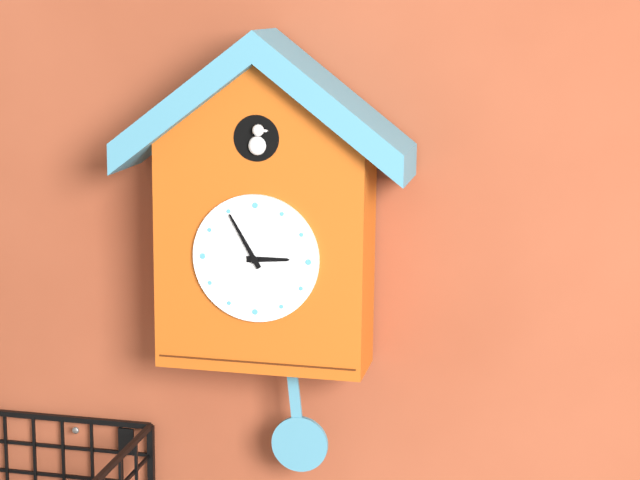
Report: 2 h 55 min
